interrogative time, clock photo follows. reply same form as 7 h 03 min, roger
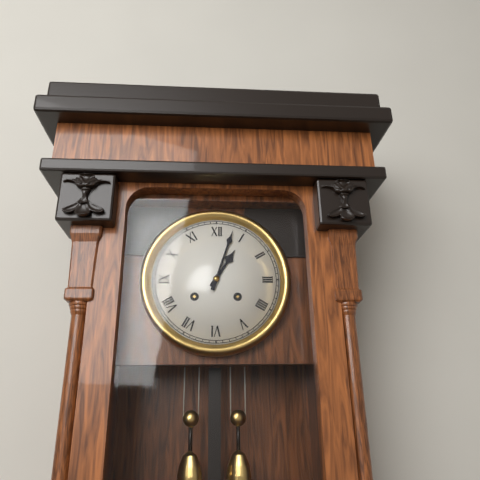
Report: 1 h 03 min
